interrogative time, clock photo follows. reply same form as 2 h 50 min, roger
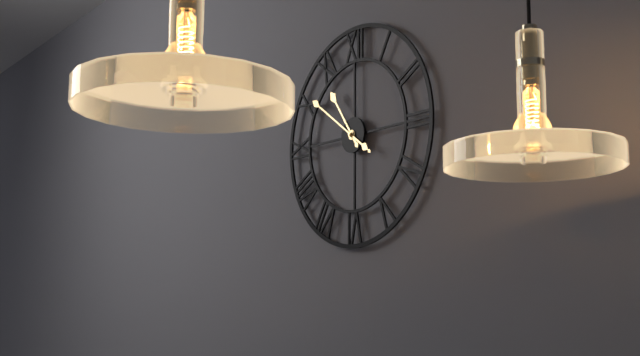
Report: 10 h 51 min
